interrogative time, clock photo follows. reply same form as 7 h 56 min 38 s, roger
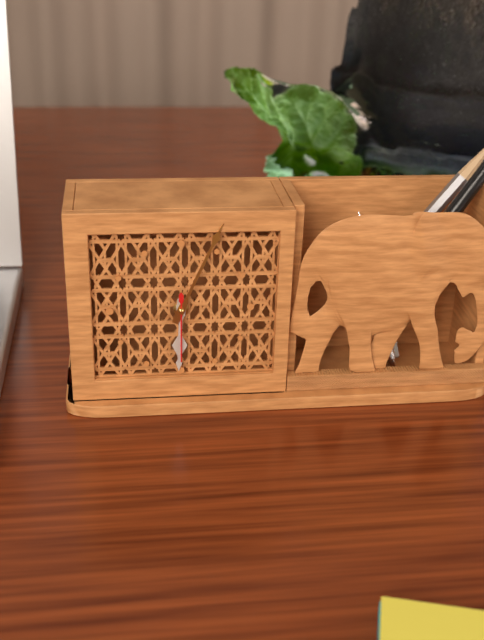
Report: 6 h 04 min 30 s
